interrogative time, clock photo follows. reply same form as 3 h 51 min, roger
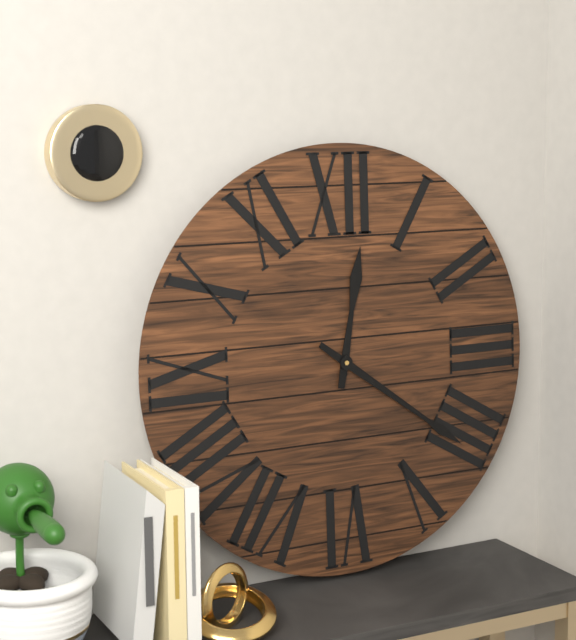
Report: 12 h 21 min
